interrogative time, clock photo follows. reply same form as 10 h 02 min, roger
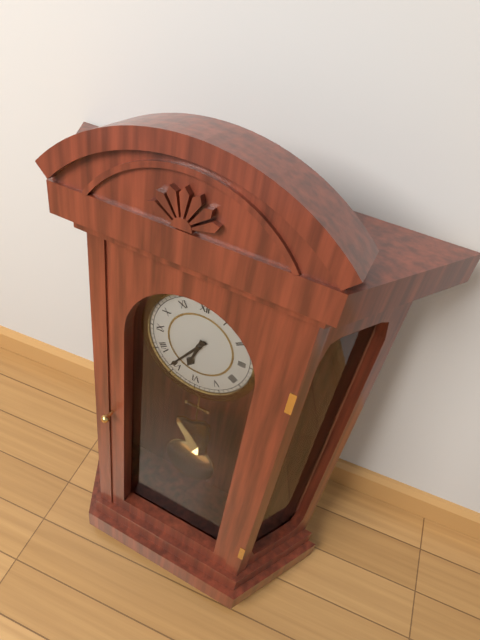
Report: 6 h 36 min
